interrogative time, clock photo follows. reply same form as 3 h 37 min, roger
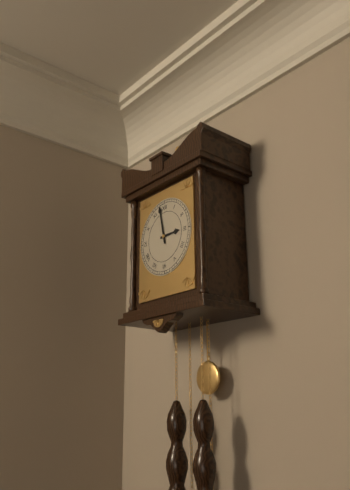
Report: 2 h 58 min
